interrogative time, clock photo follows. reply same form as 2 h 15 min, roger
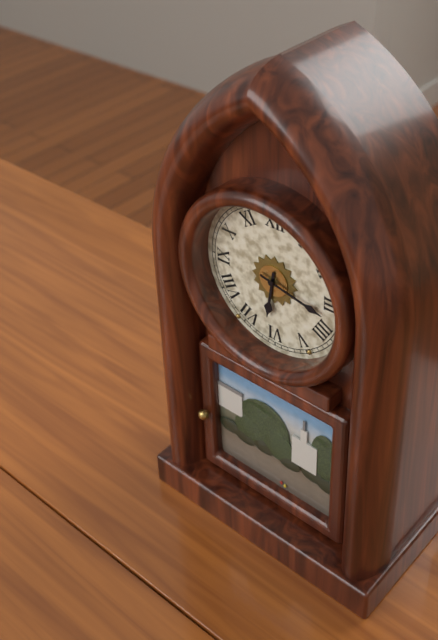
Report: 6 h 17 min
